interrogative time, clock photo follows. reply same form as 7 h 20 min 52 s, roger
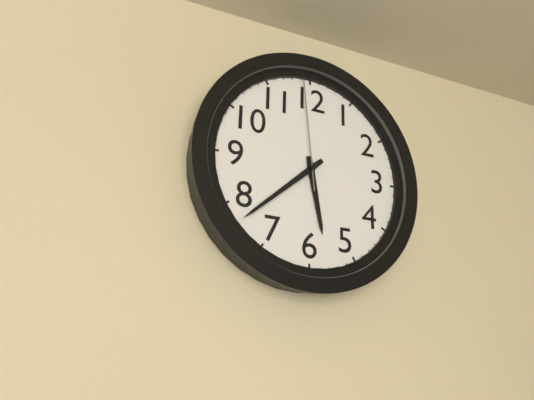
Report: 5 h 38 min 59 s
